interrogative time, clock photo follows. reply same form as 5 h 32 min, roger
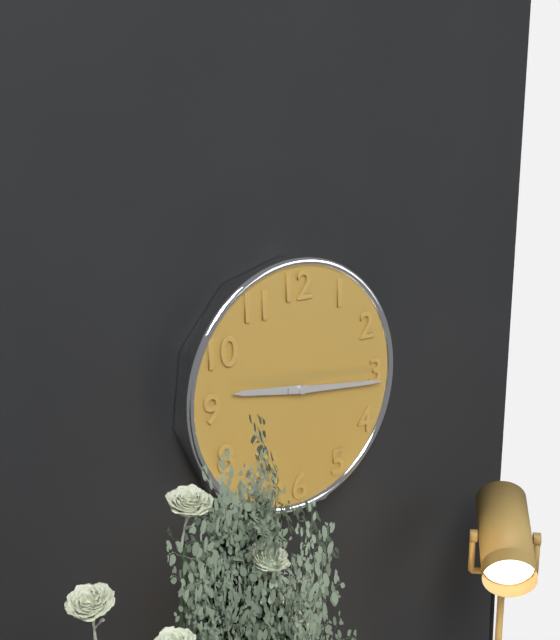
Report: 9 h 16 min
